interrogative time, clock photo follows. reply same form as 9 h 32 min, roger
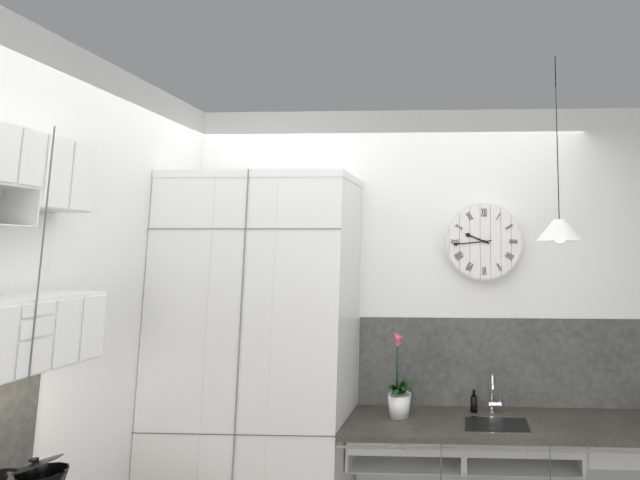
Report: 9 h 44 min
